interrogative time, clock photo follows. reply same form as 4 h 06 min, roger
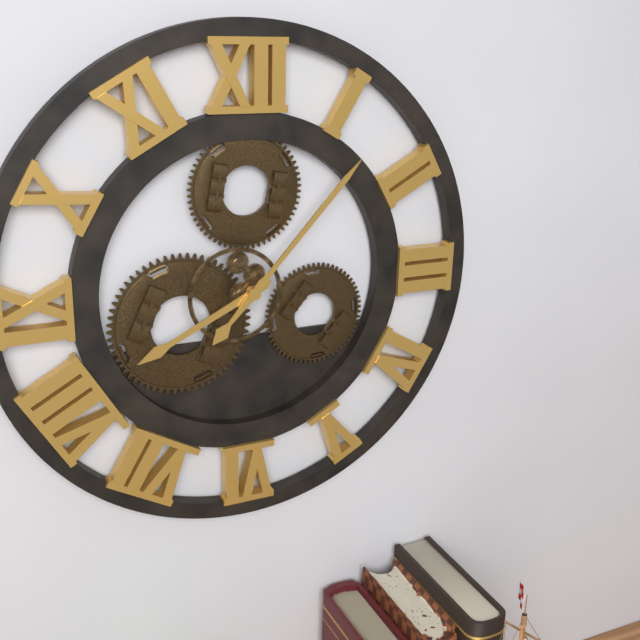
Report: 8 h 07 min
